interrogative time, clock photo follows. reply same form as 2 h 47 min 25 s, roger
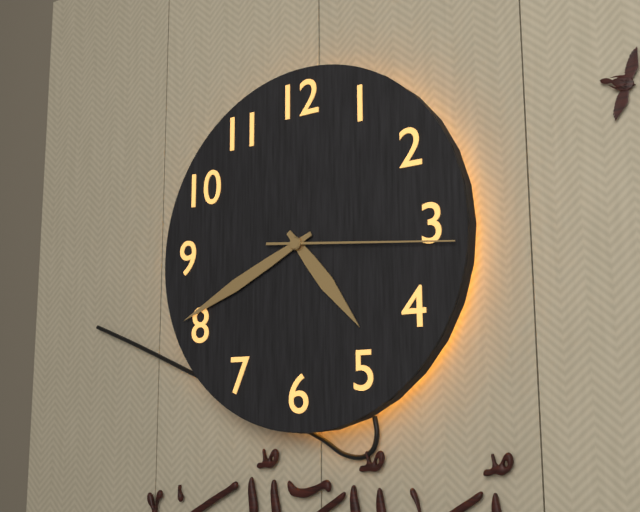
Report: 4 h 41 min 16 s
